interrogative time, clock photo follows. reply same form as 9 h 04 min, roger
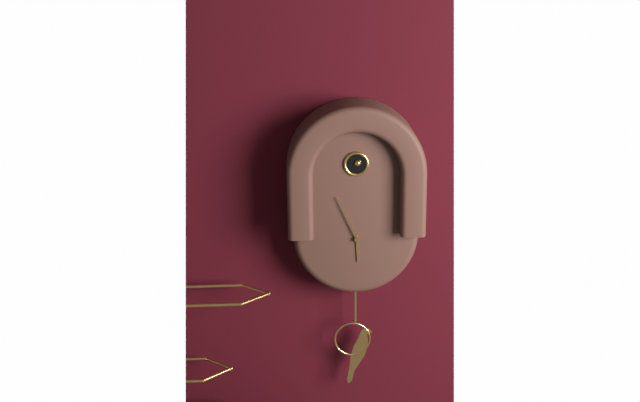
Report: 5 h 56 min
